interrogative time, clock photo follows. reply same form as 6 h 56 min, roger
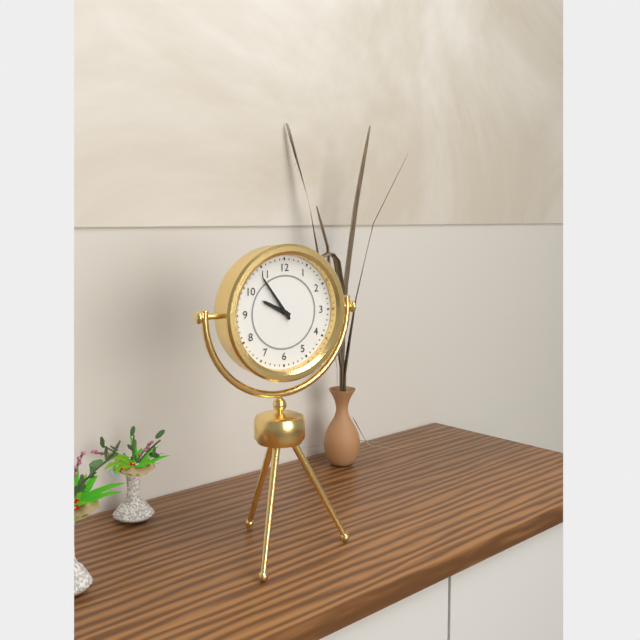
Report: 9 h 54 min
